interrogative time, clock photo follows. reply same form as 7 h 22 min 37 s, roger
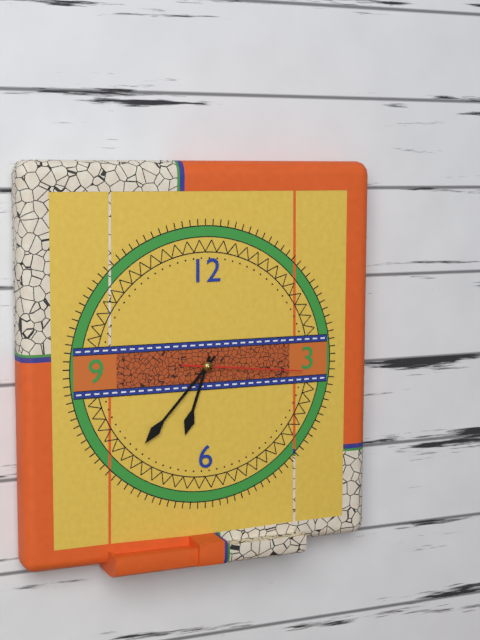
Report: 6 h 37 min 16 s
